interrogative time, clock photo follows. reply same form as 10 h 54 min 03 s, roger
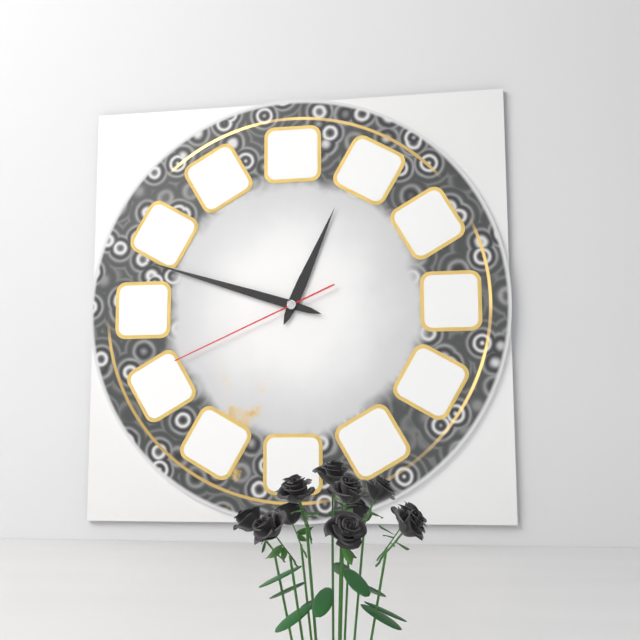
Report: 12 h 48 min 41 s
